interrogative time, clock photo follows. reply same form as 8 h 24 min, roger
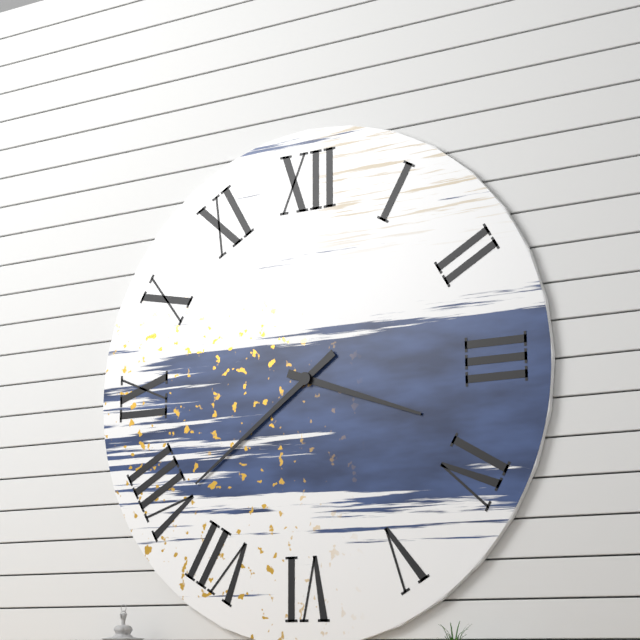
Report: 3 h 39 min
